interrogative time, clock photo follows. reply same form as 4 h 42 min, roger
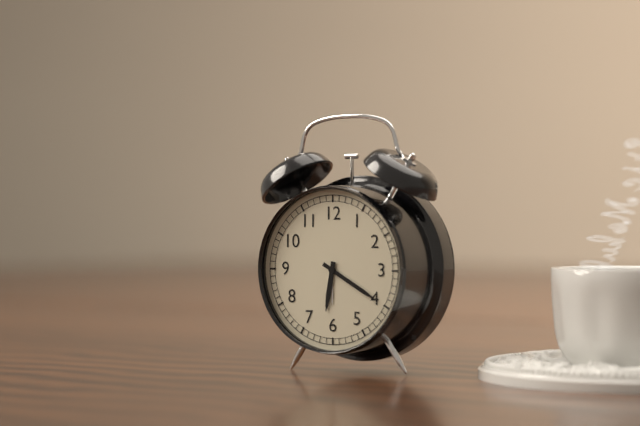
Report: 6 h 20 min
